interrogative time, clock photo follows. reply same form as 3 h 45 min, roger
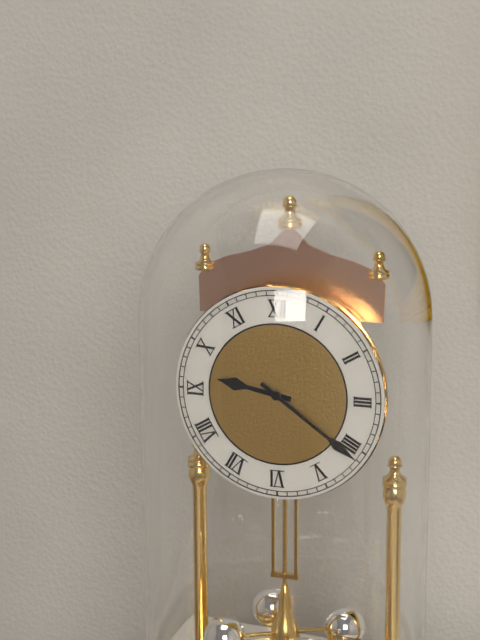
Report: 9 h 21 min
